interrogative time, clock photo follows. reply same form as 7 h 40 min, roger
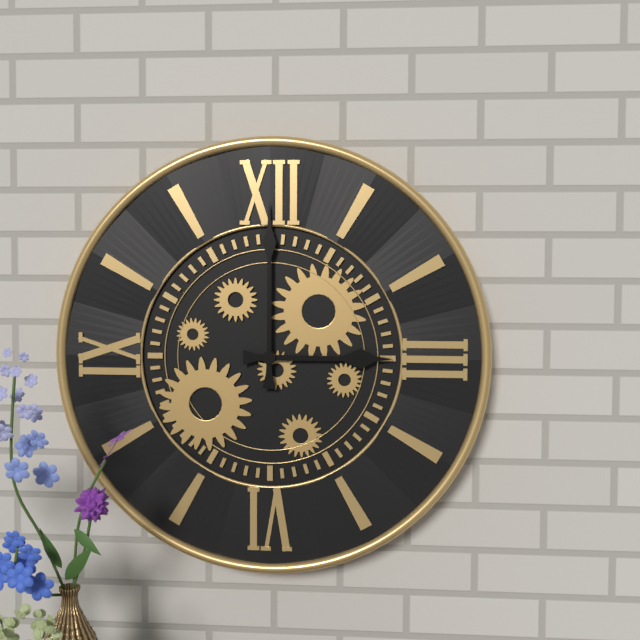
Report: 3 h 00 min
